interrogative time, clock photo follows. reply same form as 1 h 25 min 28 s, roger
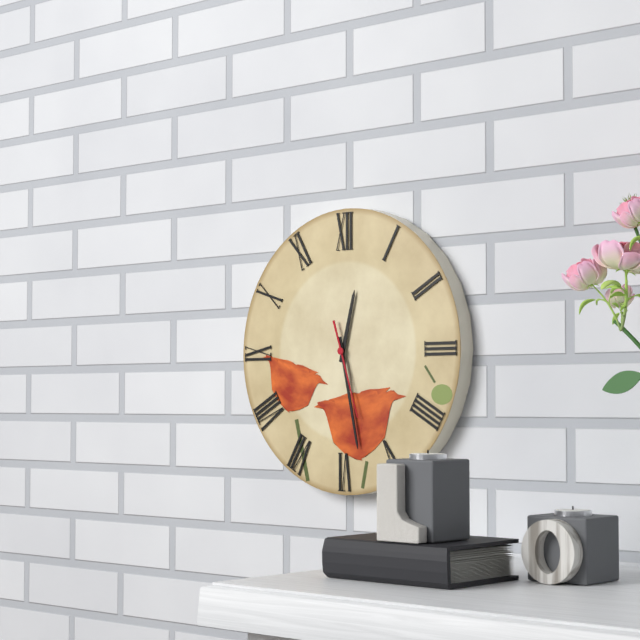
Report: 12 h 28 min 27 s
